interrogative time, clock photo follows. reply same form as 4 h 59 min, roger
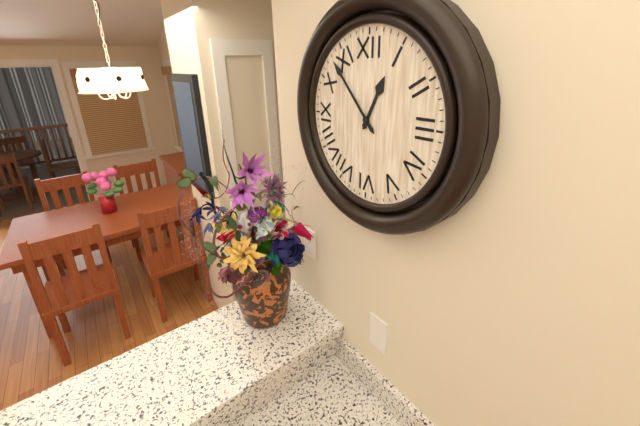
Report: 12 h 53 min
